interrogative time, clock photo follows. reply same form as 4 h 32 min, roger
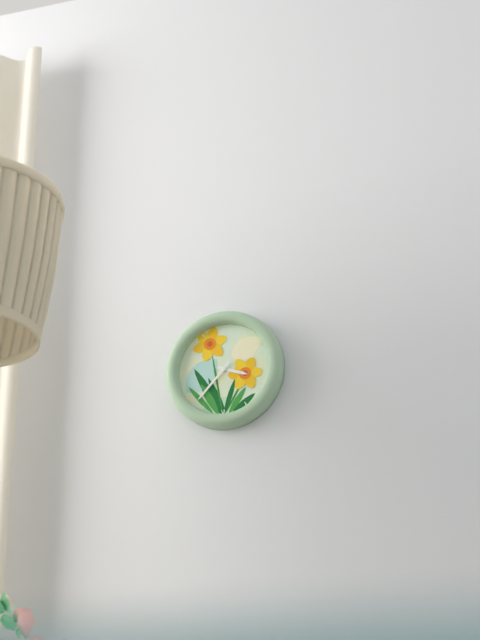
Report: 3 h 37 min
